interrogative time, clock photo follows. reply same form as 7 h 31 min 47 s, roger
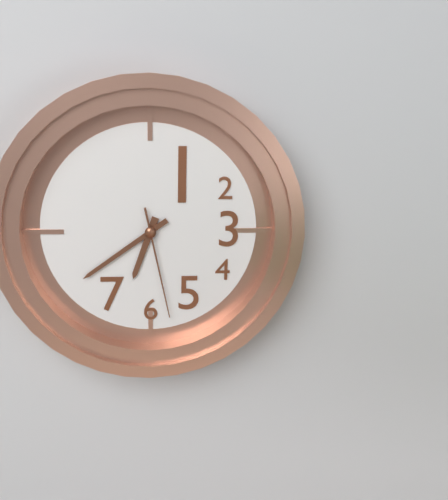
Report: 6 h 39 min 28 s
